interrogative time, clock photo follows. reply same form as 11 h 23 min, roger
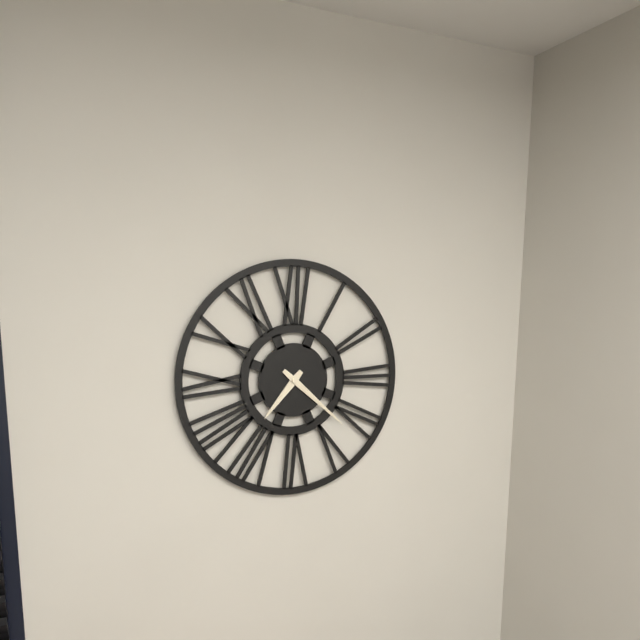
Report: 7 h 22 min
